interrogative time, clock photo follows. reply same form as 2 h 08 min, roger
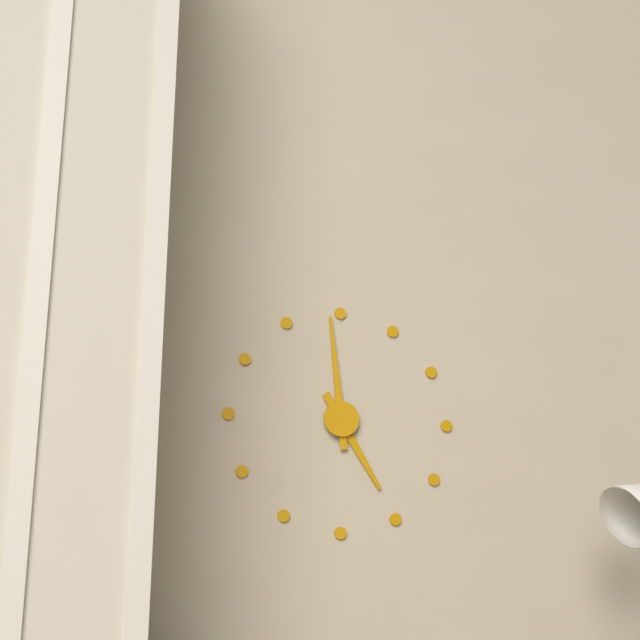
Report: 4 h 59 min
